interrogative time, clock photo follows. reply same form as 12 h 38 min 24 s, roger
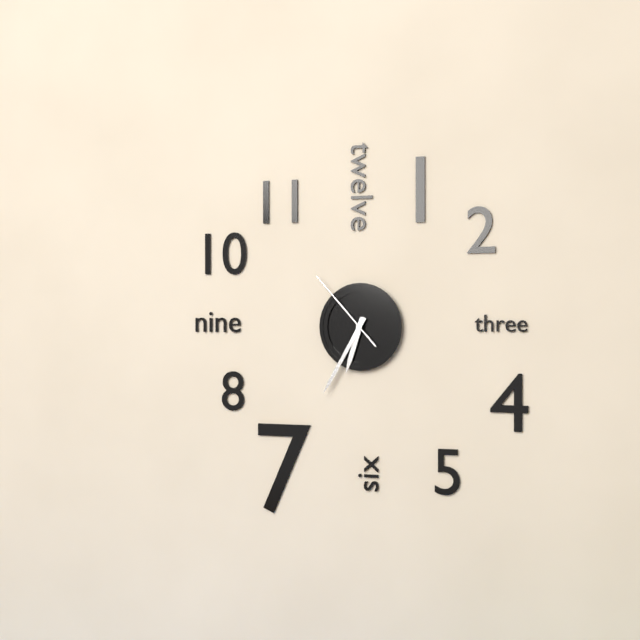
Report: 6 h 35 min 53 s
